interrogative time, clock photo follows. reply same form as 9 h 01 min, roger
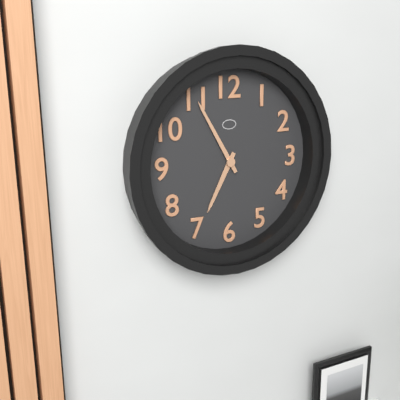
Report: 6 h 55 min
